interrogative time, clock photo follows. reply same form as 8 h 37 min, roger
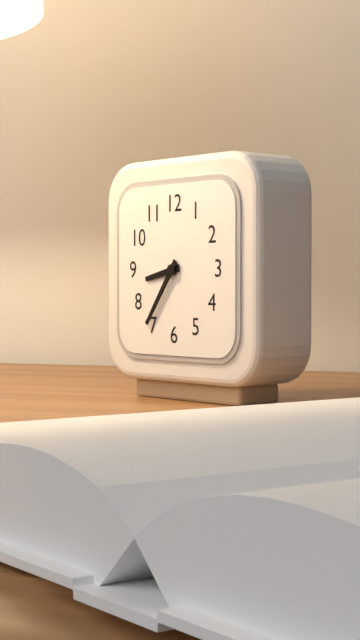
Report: 8 h 36 min
